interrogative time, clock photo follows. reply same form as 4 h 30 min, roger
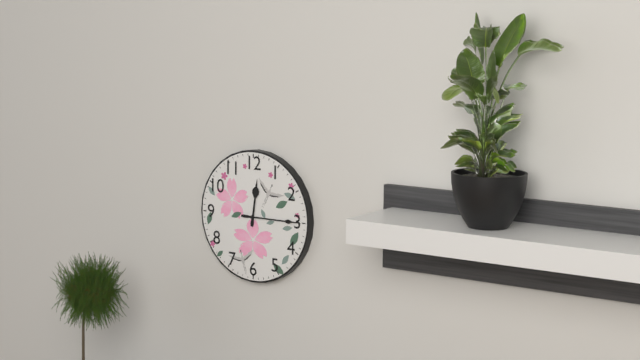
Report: 12 h 15 min
